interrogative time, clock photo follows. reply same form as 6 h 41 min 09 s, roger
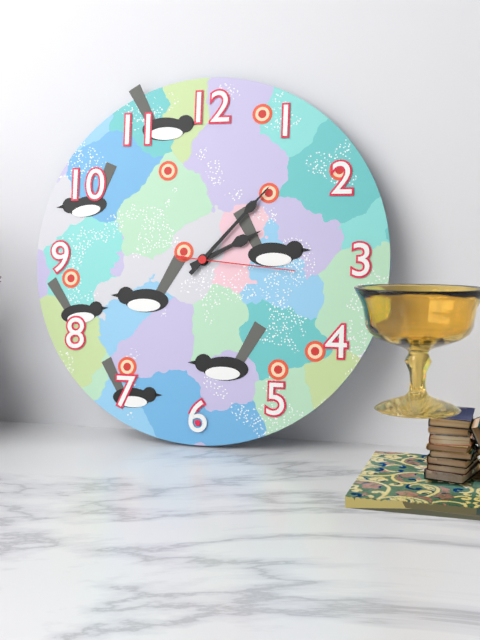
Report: 2 h 07 min 16 s
